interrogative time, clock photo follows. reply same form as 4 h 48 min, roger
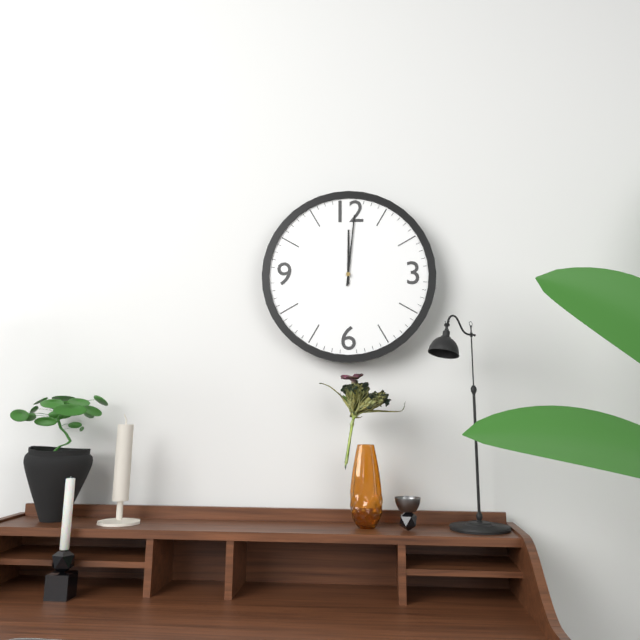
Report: 12 h 01 min
